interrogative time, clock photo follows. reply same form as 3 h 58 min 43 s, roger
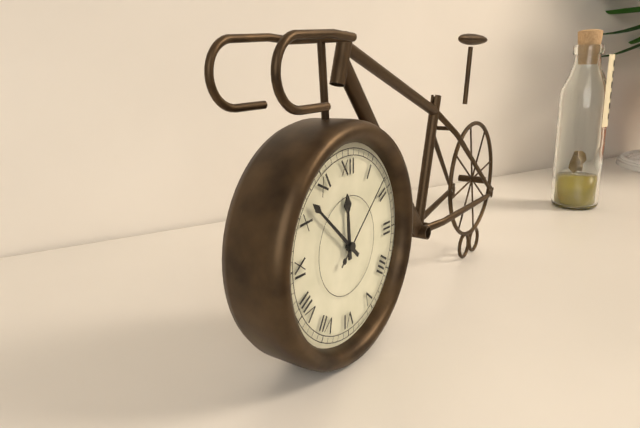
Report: 11 h 52 min 08 s
